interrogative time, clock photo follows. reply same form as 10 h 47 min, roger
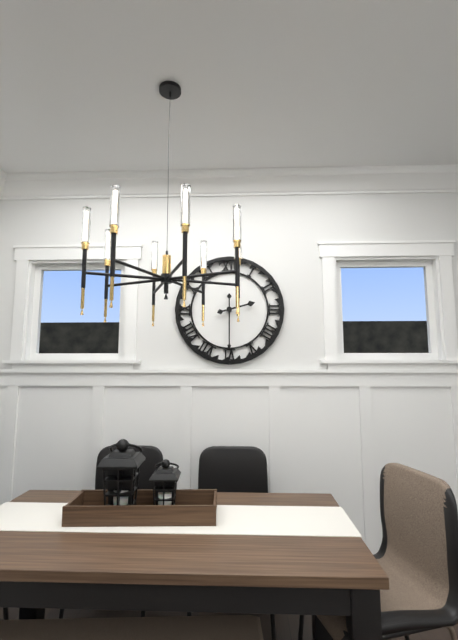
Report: 2 h 30 min
